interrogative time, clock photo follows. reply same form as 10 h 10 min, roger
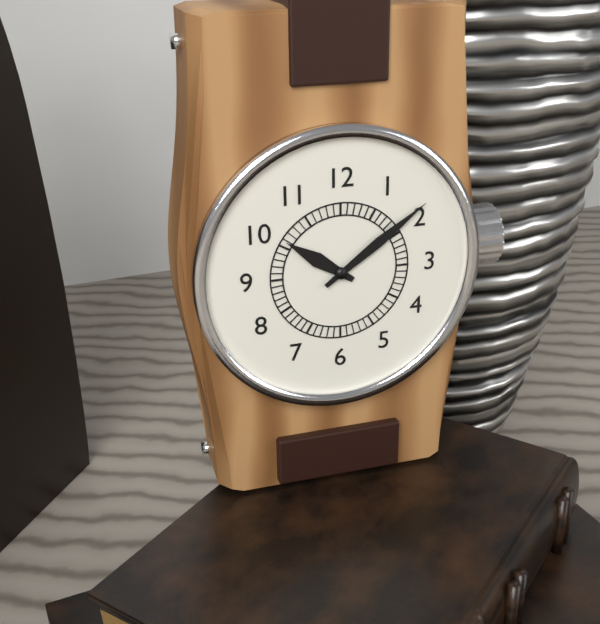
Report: 10 h 09 min
